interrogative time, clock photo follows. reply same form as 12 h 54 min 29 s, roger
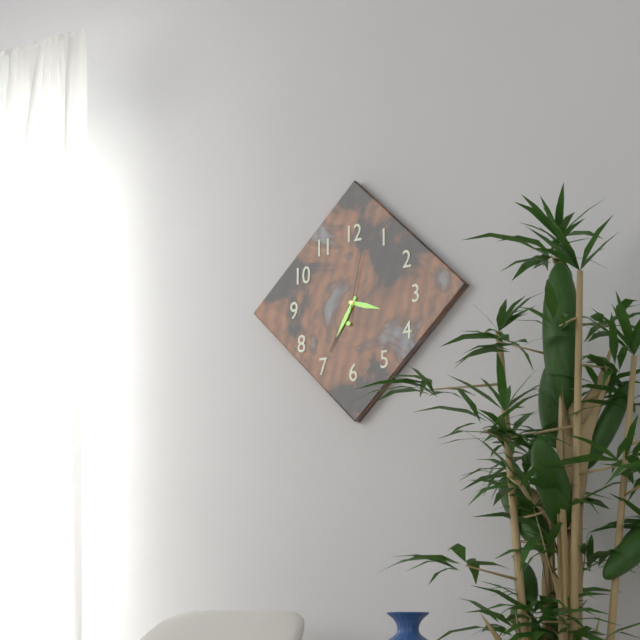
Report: 3 h 35 min 02 s
